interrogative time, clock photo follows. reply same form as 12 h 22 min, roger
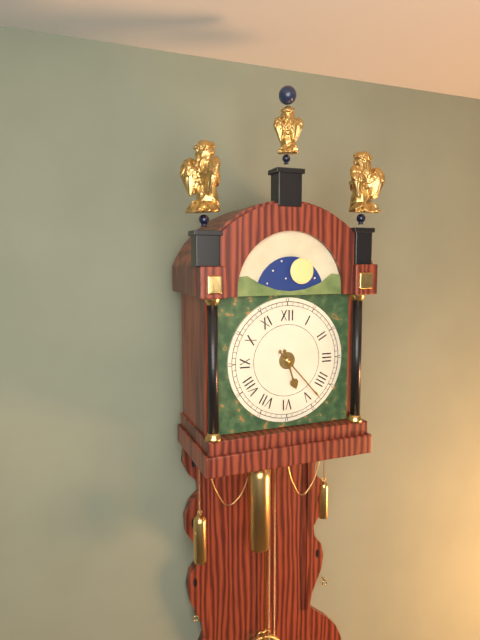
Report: 5 h 23 min
